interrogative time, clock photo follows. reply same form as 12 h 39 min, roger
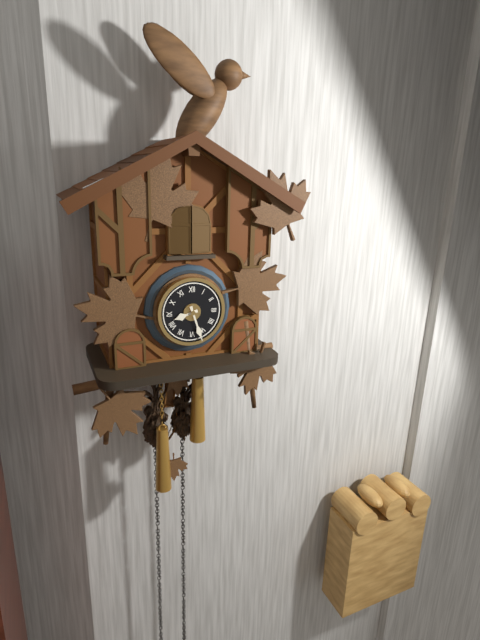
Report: 8 h 27 min
